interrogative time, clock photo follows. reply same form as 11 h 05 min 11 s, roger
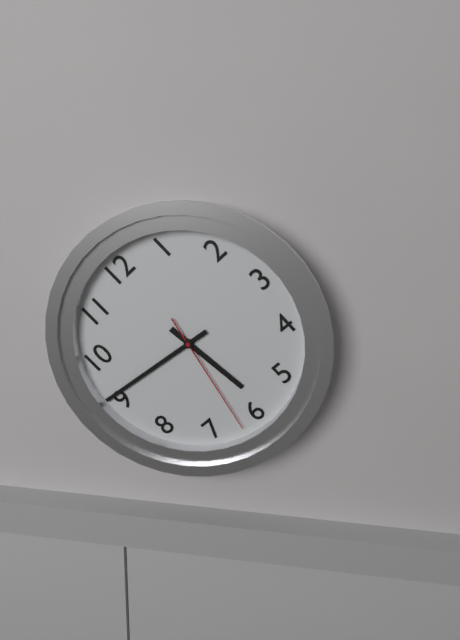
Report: 5 h 46 min 32 s
